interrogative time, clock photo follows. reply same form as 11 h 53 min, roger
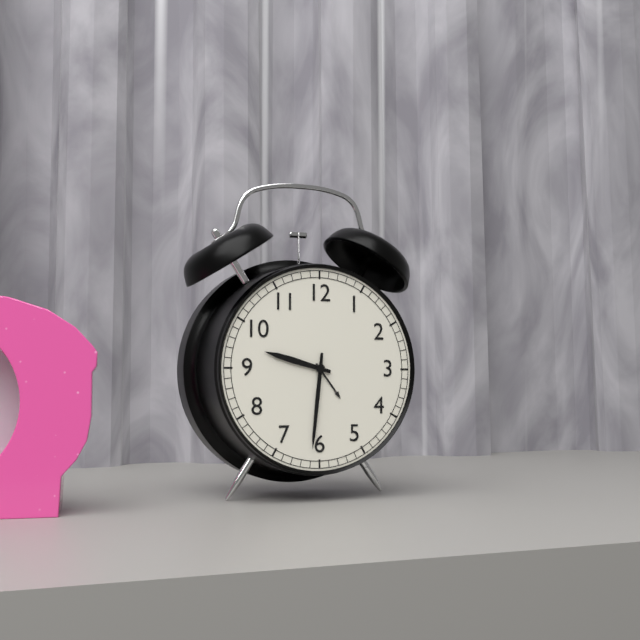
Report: 9 h 31 min
